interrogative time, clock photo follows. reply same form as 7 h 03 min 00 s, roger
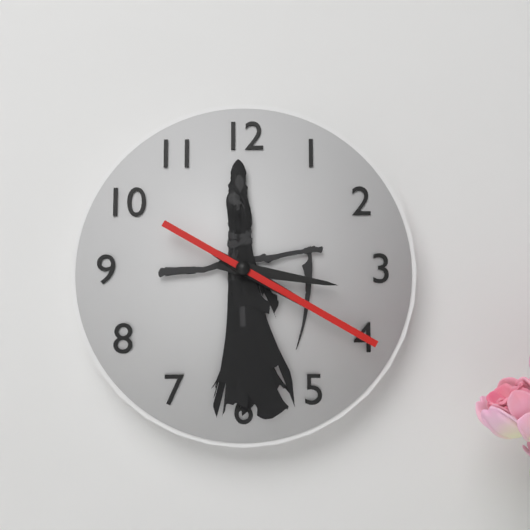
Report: 3 h 20 min 20 s
